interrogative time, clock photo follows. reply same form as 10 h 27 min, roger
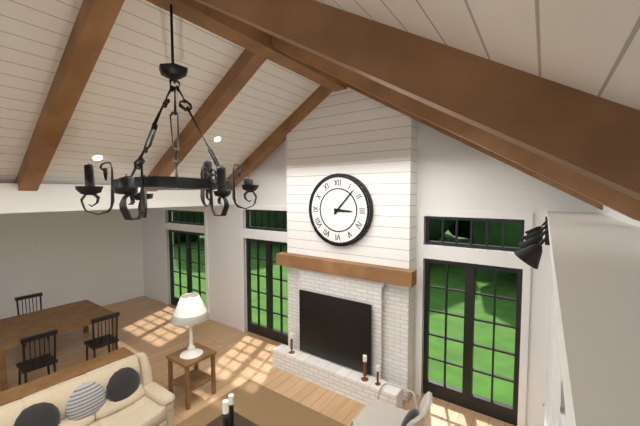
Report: 3 h 07 min
